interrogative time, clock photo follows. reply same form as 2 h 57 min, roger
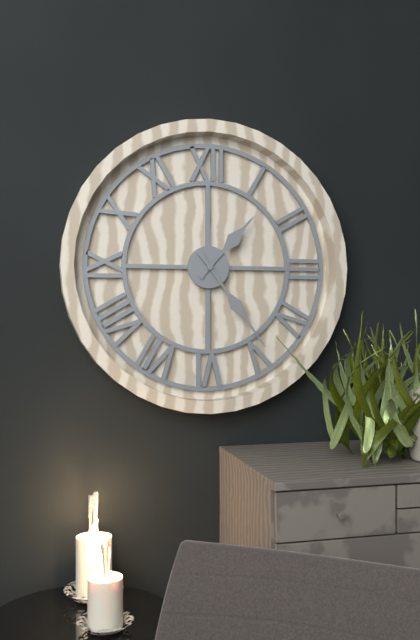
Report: 1 h 24 min
